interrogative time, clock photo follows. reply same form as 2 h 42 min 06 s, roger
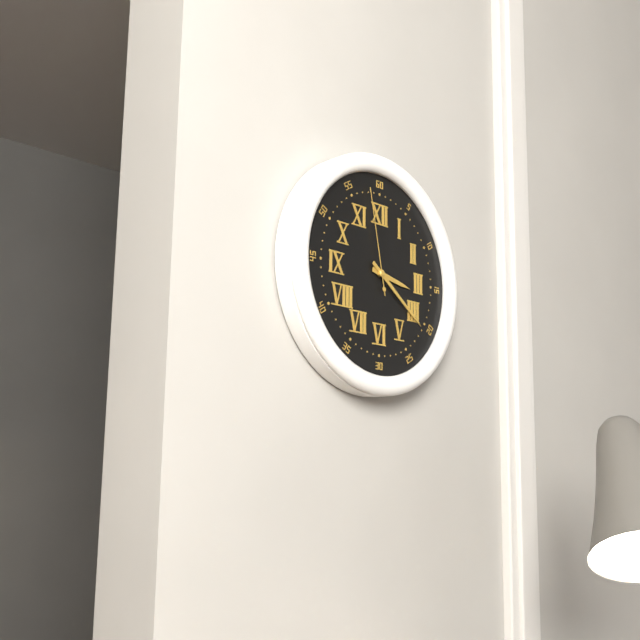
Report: 3 h 21 min 58 s
